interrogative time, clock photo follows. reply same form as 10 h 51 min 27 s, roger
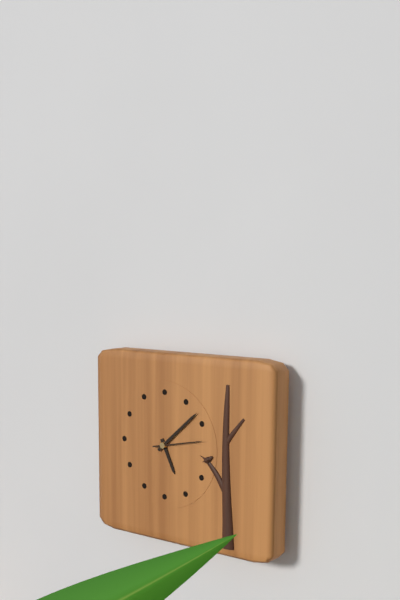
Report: 5 h 08 min 13 s
